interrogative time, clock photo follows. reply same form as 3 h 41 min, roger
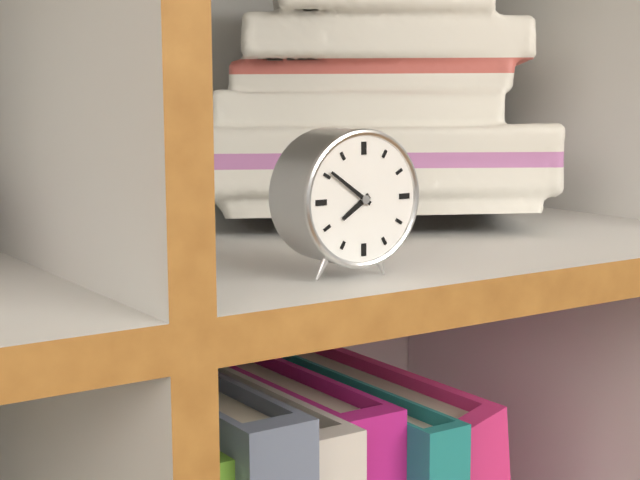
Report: 7 h 51 min
